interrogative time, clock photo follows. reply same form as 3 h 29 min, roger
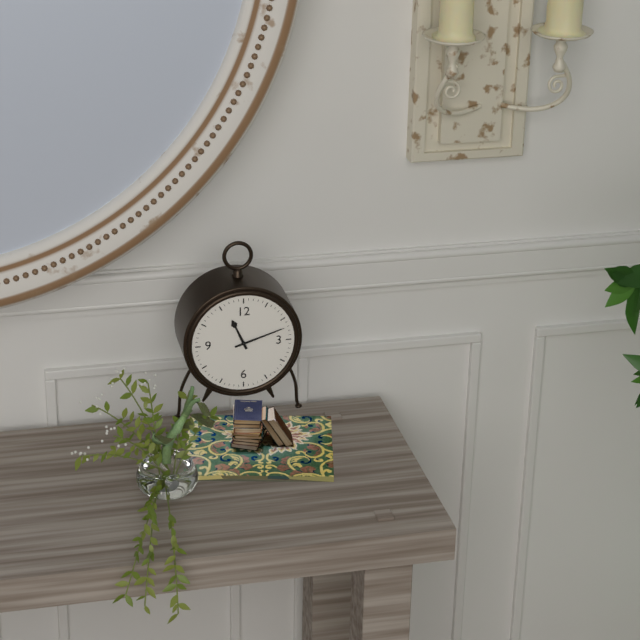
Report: 11 h 12 min
